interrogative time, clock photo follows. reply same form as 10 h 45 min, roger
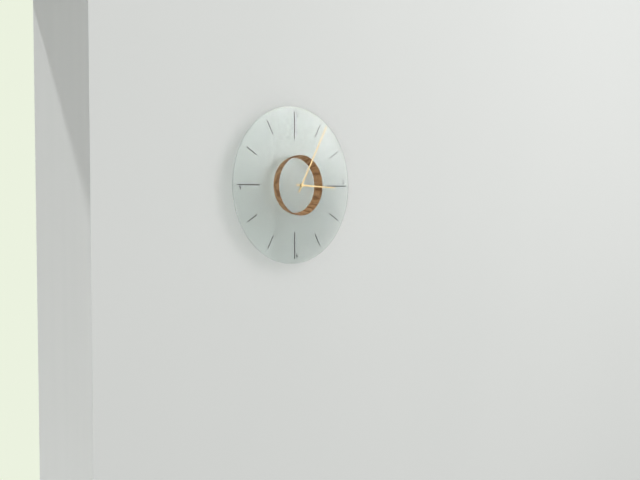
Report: 3 h 05 min
